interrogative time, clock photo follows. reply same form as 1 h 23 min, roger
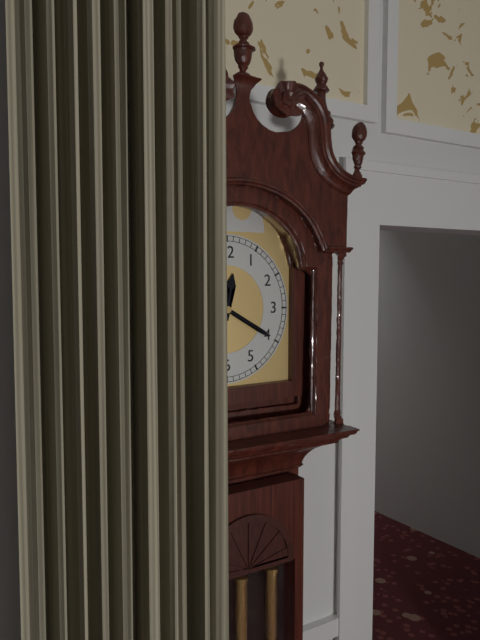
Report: 12 h 20 min
